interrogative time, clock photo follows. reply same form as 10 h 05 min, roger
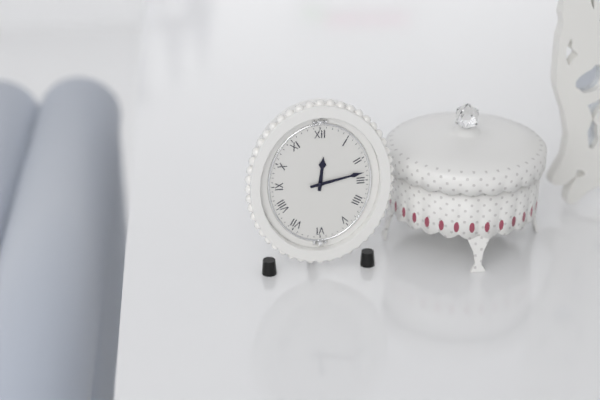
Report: 12 h 13 min
